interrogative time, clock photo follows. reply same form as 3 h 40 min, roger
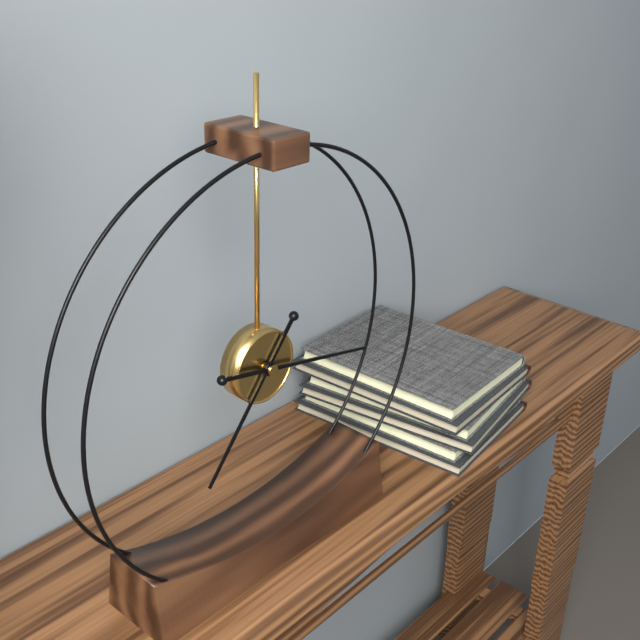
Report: 7 h 17 min
